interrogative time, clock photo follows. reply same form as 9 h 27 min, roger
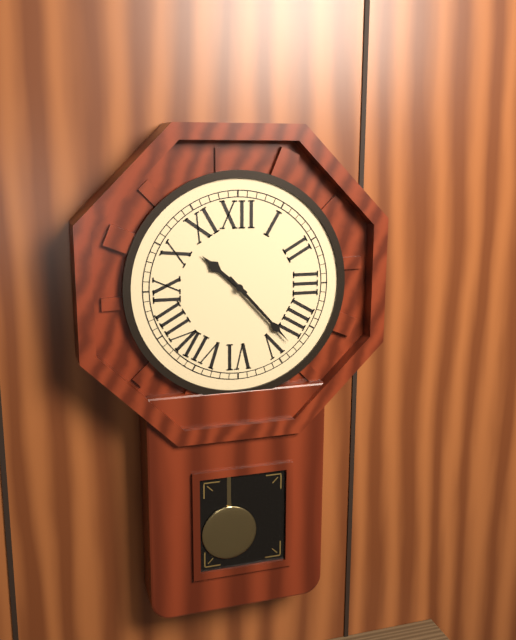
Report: 10 h 23 min
